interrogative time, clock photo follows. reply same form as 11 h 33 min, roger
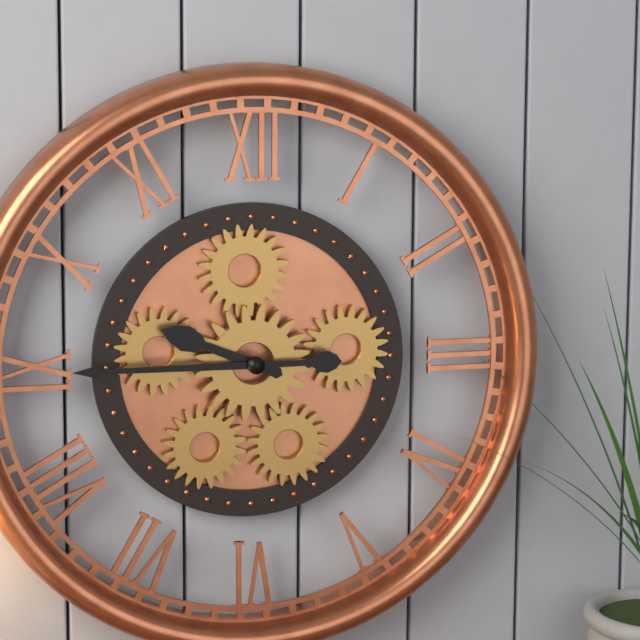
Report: 9 h 45 min
